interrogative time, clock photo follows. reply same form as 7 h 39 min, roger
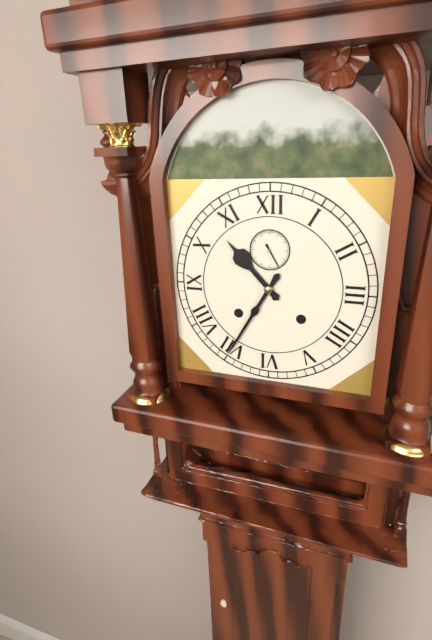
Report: 10 h 35 min
